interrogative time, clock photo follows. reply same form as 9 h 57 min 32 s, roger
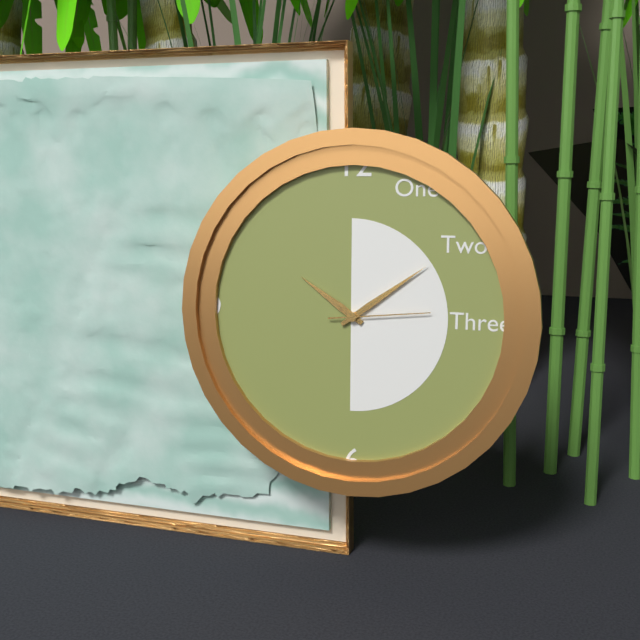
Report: 10 h 09 min 14 s
